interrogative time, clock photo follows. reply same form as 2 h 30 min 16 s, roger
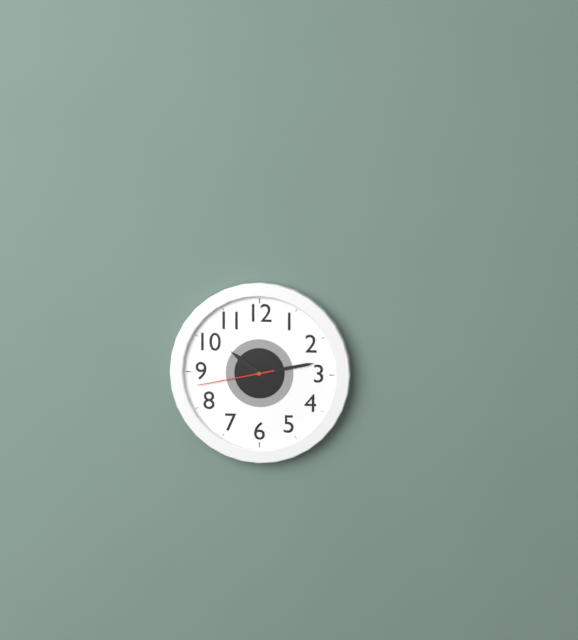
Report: 10 h 13 min 43 s
